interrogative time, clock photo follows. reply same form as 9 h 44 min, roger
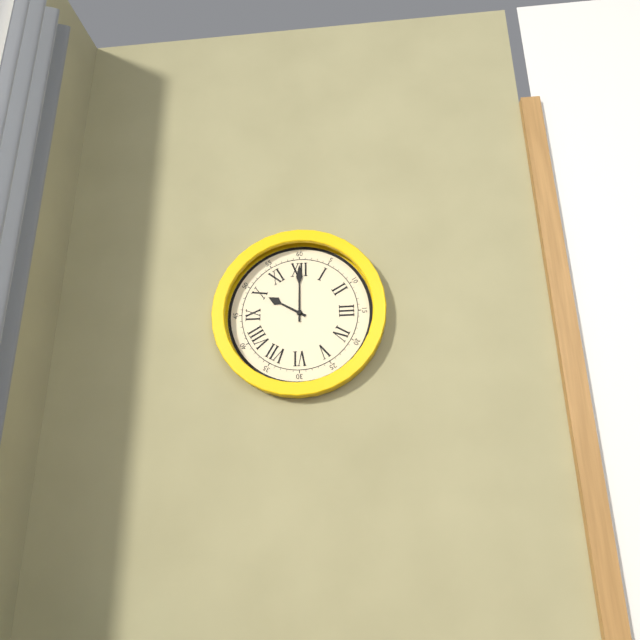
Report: 10 h 00 min
